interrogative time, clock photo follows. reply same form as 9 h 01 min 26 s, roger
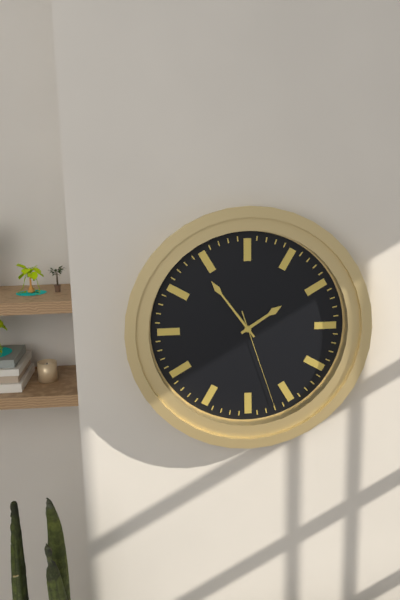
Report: 1 h 54 min 27 s
